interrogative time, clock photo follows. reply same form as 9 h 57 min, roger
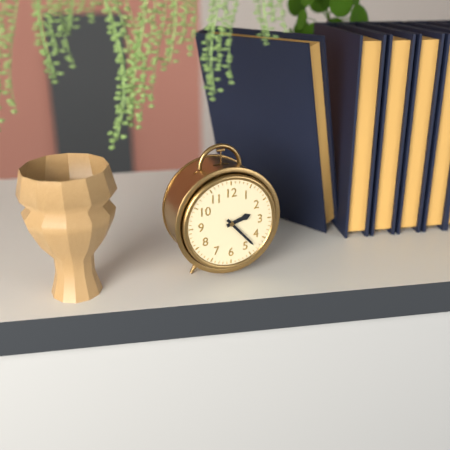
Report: 2 h 23 min
